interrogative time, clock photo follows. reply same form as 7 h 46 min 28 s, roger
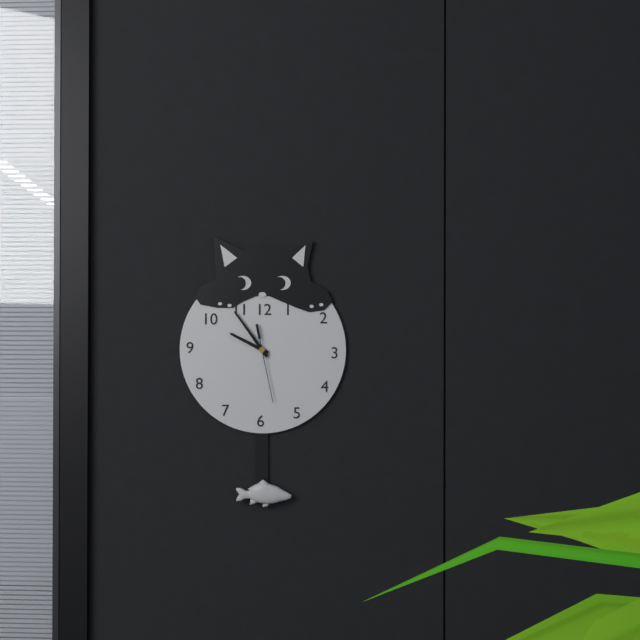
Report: 9 h 54 min 28 s
